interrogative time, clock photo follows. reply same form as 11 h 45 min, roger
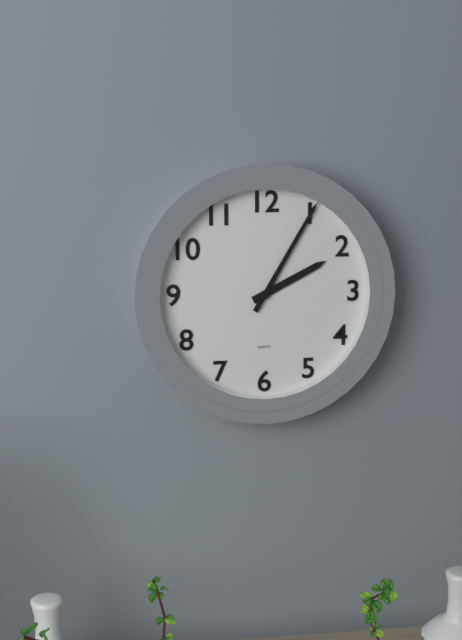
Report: 2 h 05 min
